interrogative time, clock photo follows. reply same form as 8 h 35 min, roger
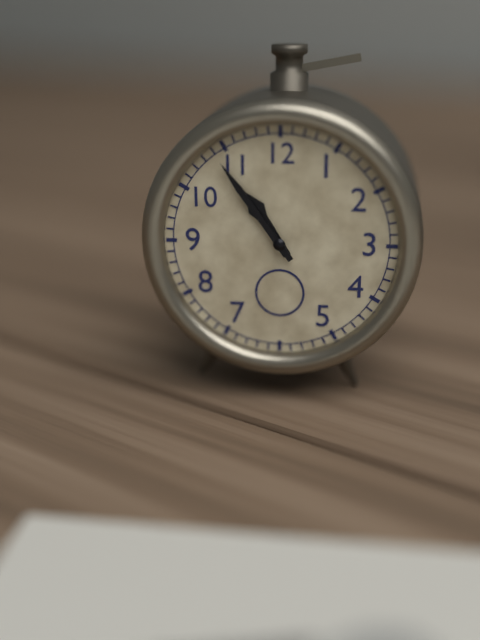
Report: 10 h 54 min
